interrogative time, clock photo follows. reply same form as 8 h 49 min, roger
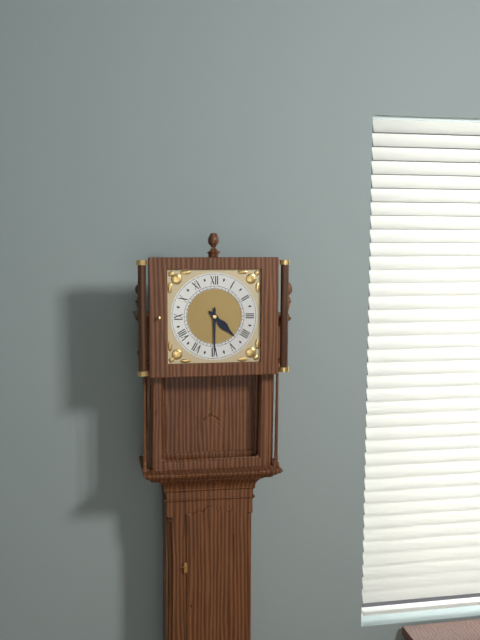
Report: 4 h 30 min
